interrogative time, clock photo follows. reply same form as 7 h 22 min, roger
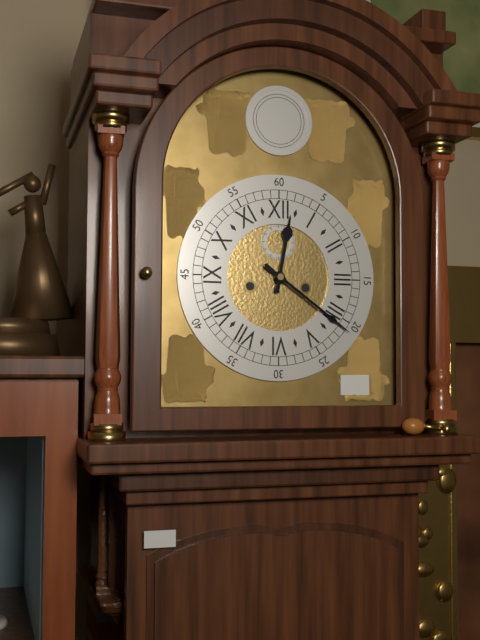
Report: 12 h 21 min
